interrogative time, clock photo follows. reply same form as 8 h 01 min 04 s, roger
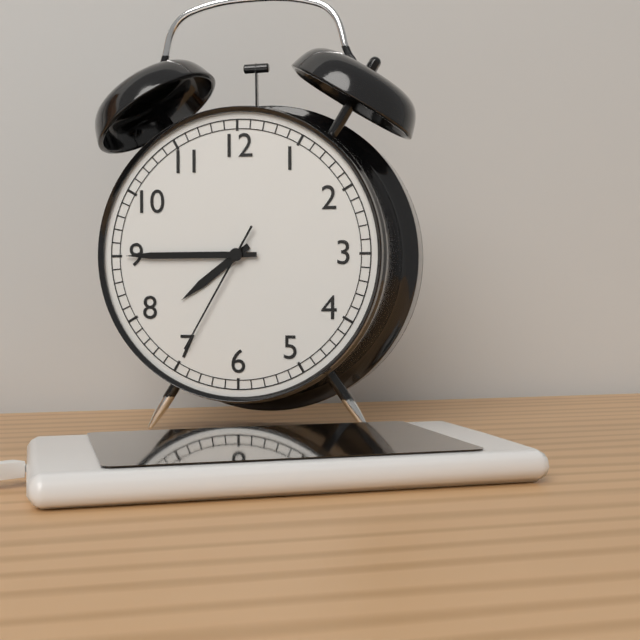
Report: 7 h 45 min 35 s
